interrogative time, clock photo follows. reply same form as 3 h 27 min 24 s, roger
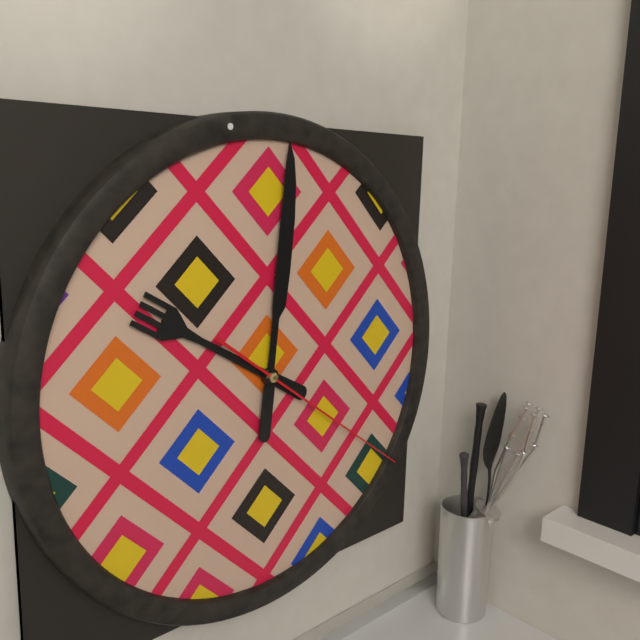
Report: 10 h 01 min 21 s
